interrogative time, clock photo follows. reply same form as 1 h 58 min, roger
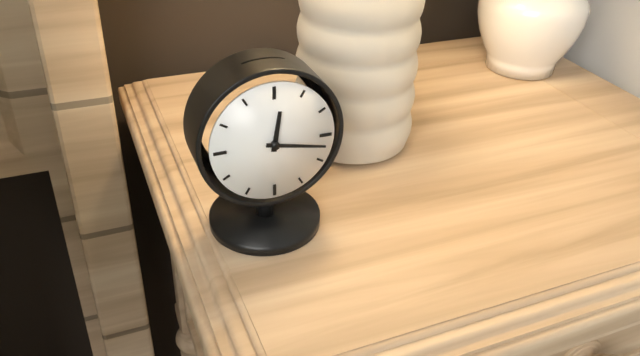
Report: 12 h 17 min
